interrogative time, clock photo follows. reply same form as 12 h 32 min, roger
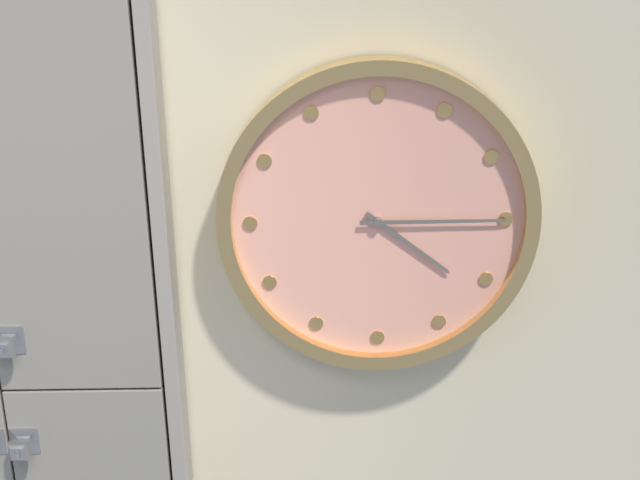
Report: 4 h 15 min
